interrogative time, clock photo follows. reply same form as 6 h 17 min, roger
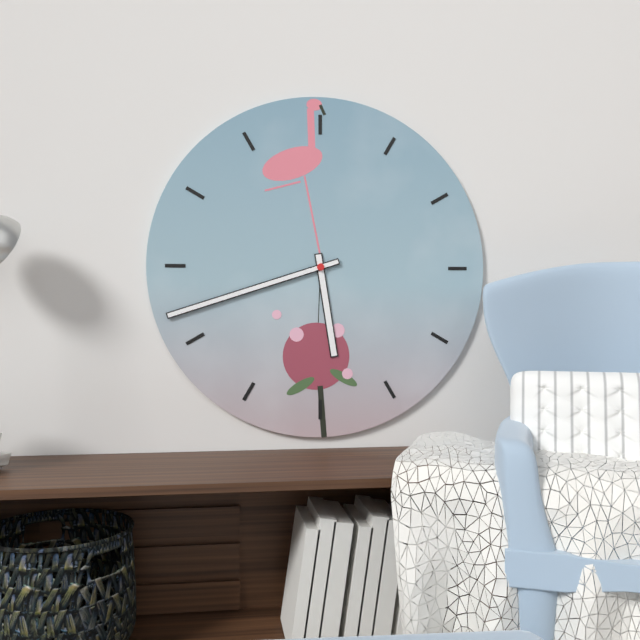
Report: 5 h 42 min
